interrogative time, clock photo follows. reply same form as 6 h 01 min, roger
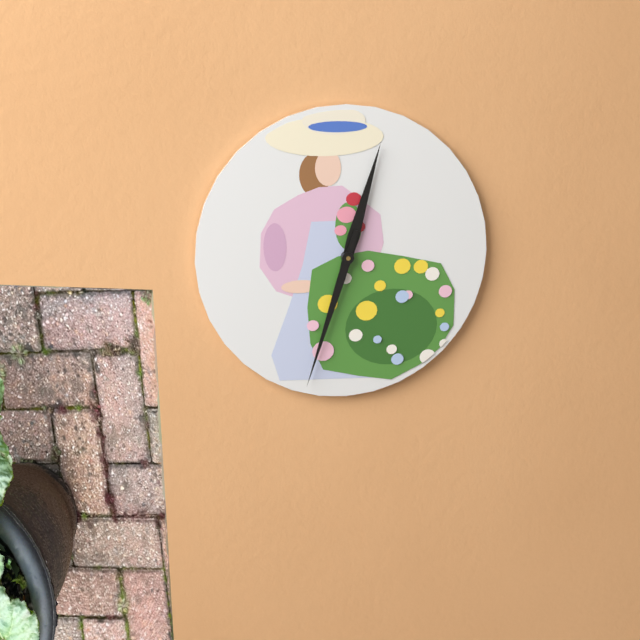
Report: 12 h 33 min
